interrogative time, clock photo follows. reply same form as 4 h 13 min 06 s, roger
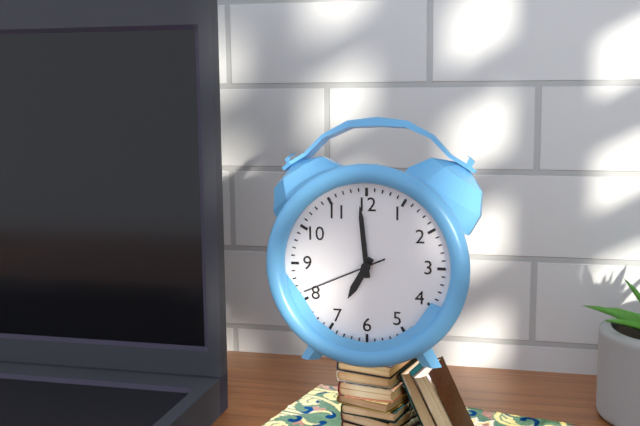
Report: 6 h 59 min 41 s
